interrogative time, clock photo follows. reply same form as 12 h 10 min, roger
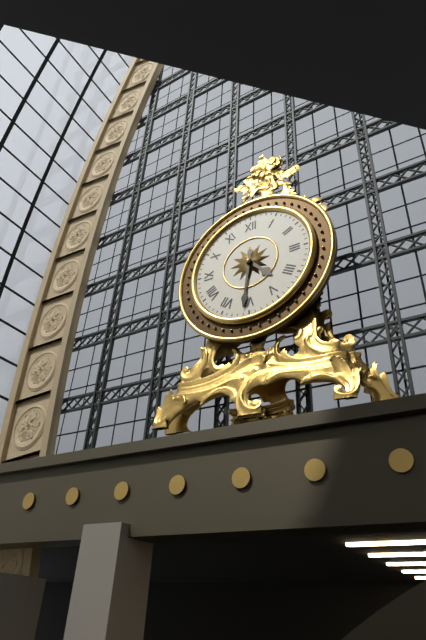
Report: 4 h 31 min
